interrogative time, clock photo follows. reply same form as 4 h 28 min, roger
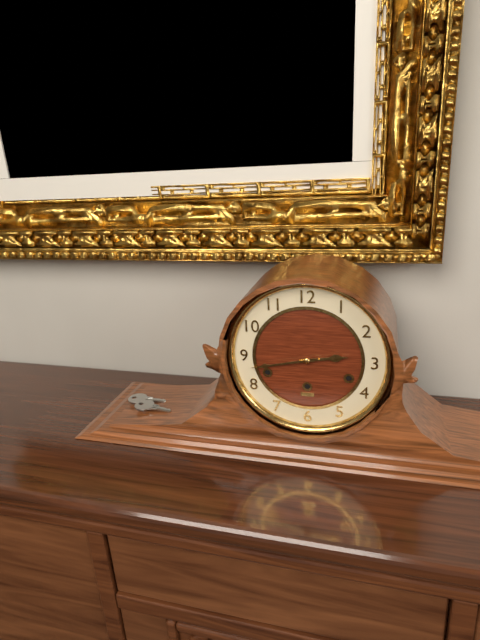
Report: 2 h 43 min
